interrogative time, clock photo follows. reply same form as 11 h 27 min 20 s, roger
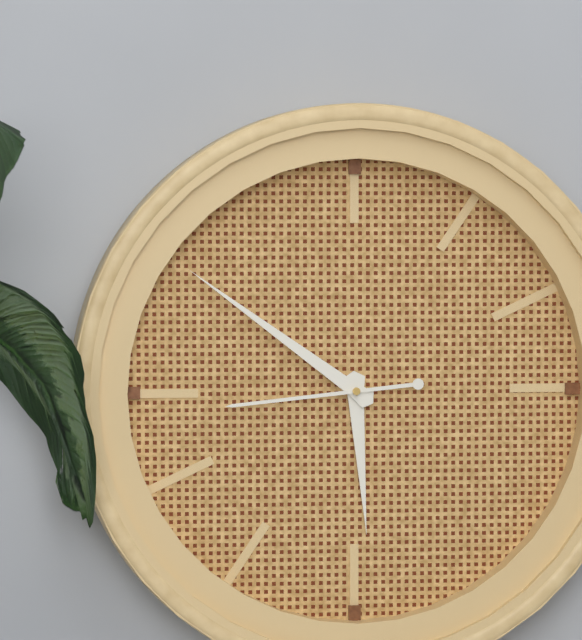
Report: 5 h 51 min 44 s
